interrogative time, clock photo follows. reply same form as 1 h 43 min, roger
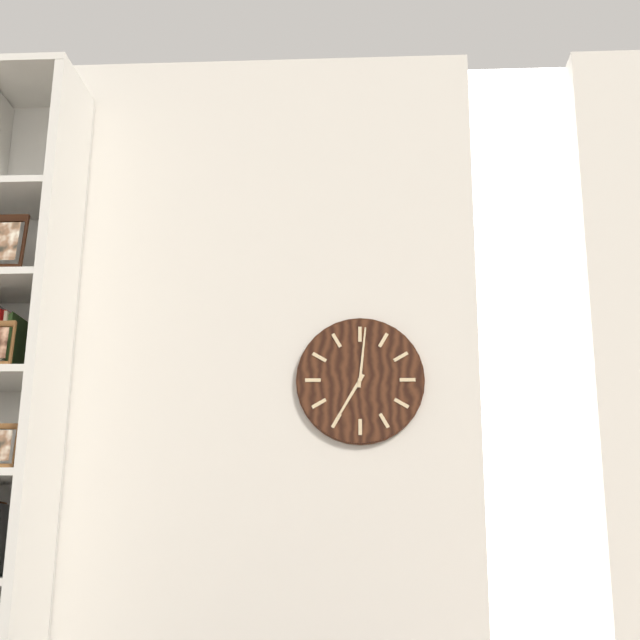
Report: 7 h 01 min
